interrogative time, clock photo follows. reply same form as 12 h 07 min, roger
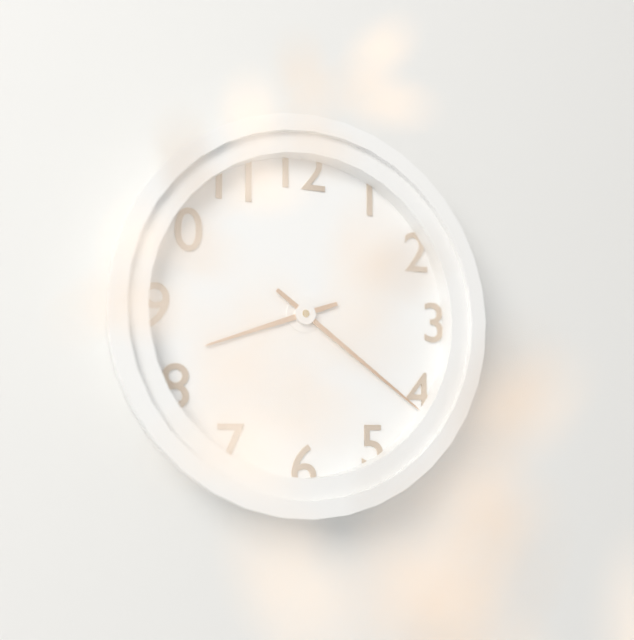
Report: 8 h 21 min
